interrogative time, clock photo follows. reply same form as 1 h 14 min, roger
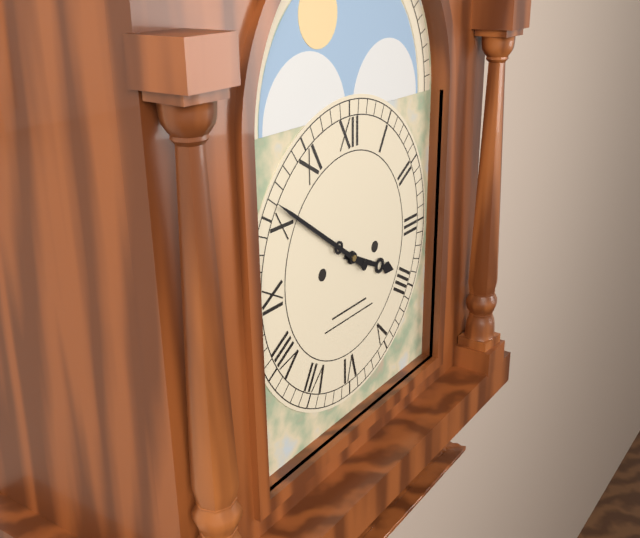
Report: 3 h 51 min
